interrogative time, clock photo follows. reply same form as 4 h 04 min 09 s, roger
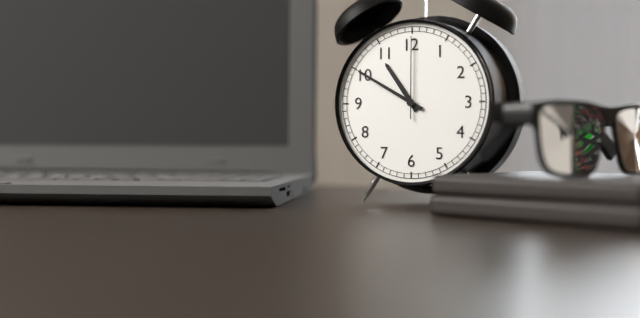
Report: 10 h 50 min 00 s
